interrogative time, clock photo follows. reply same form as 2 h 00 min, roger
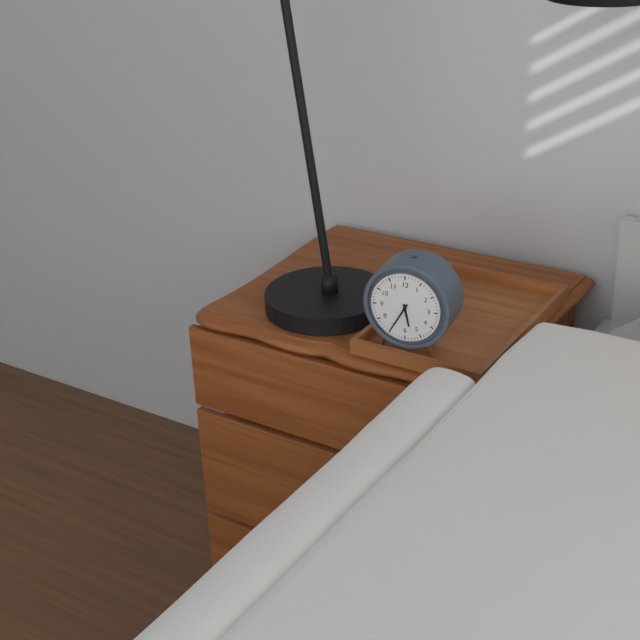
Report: 5 h 35 min
